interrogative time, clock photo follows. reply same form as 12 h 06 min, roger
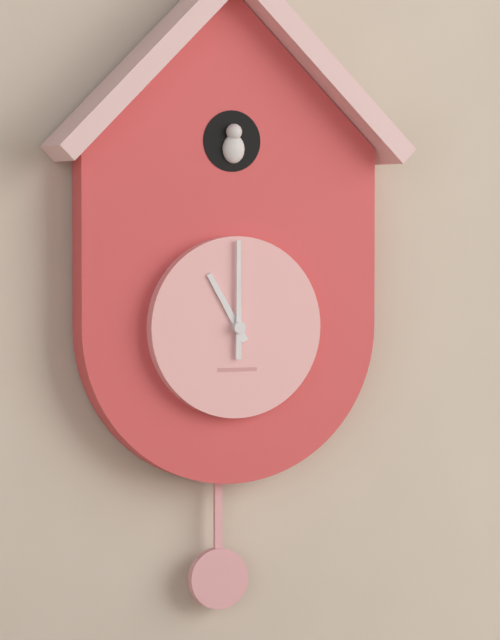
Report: 11 h 00 min
